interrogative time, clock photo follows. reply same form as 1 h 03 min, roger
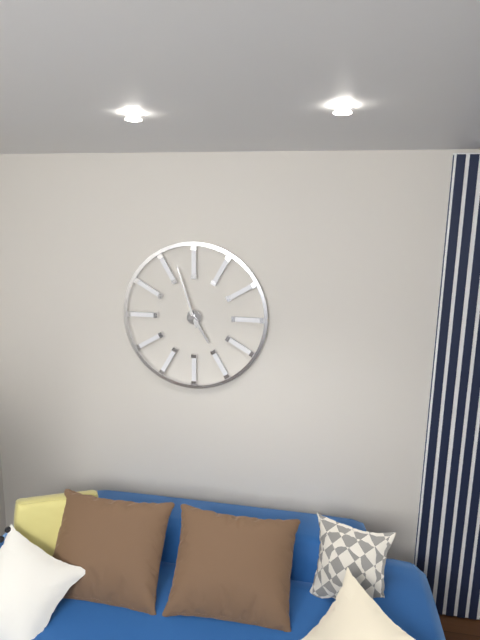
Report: 4 h 57 min
